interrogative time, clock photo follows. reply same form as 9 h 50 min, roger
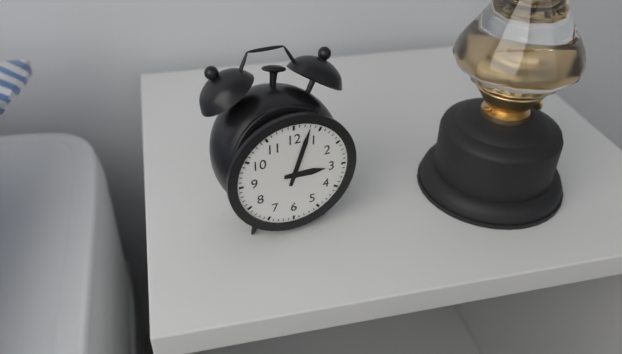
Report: 3 h 03 min
